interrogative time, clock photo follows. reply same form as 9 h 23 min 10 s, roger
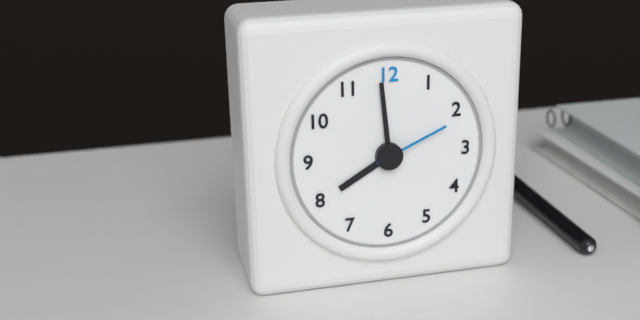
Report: 7 h 59 min 11 s
